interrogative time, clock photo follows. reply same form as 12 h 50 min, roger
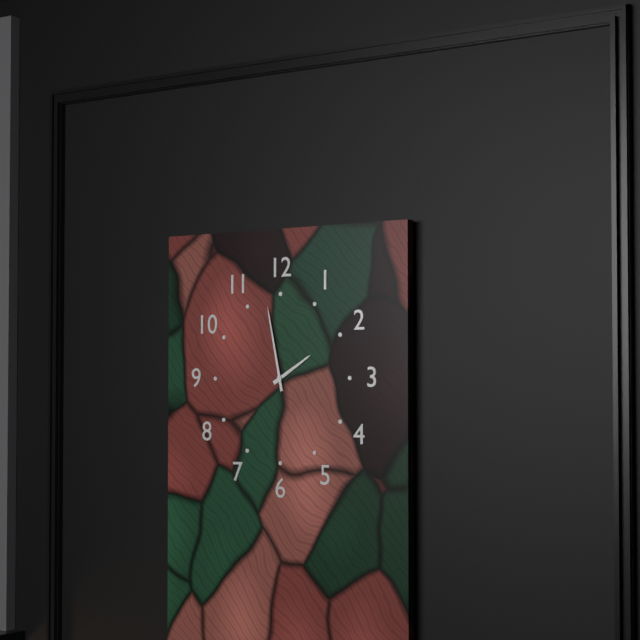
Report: 1 h 58 min
